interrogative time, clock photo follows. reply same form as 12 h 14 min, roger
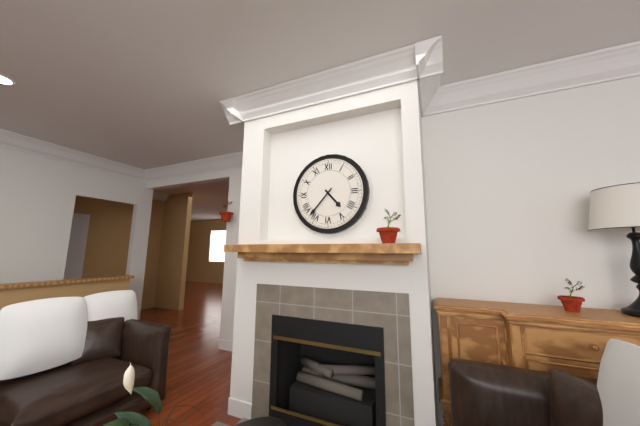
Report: 4 h 37 min
